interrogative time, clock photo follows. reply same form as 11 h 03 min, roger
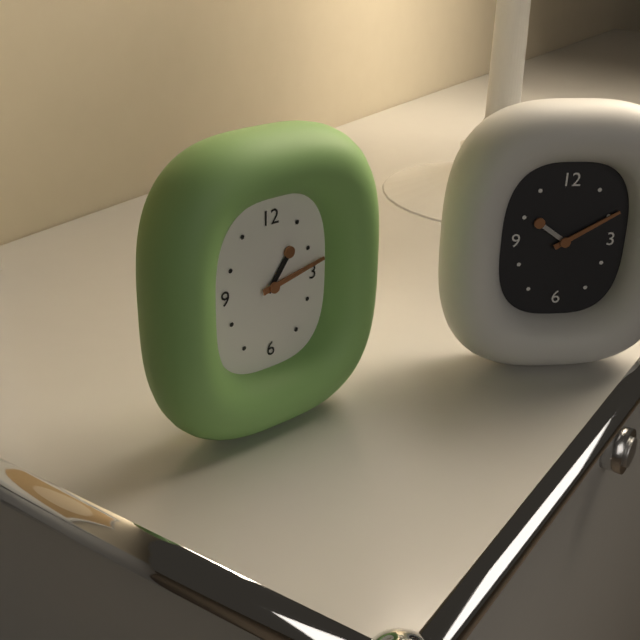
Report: 1 h 13 min
